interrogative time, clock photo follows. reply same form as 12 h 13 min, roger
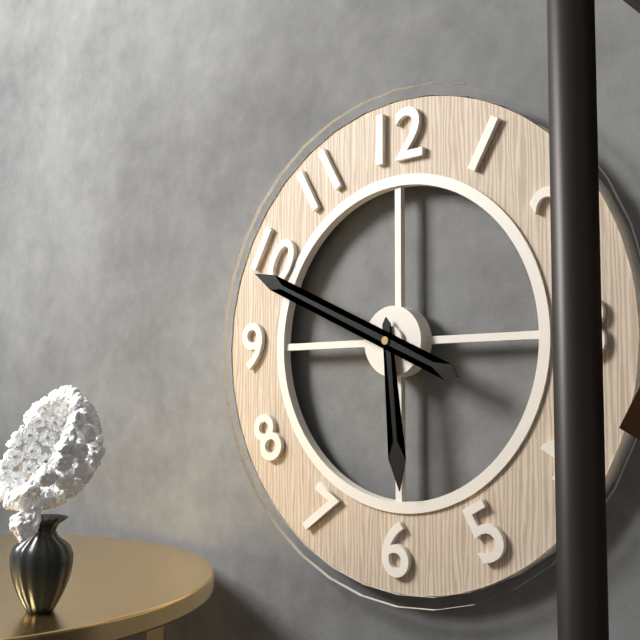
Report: 5 h 49 min
